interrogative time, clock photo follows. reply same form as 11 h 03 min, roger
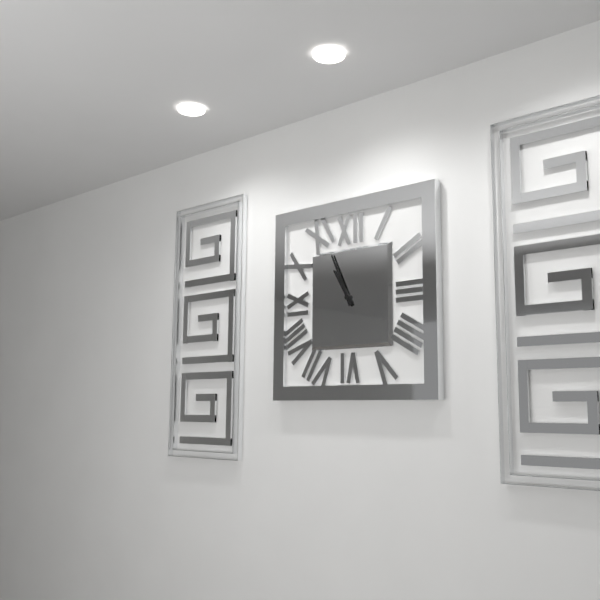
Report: 10 h 56 min
